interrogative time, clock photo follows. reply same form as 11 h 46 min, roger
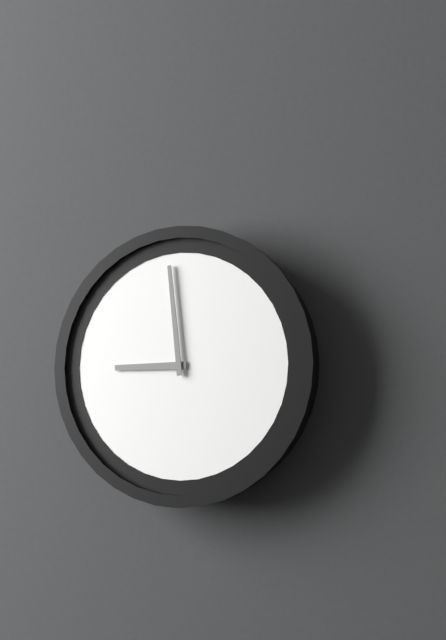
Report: 8 h 59 min
